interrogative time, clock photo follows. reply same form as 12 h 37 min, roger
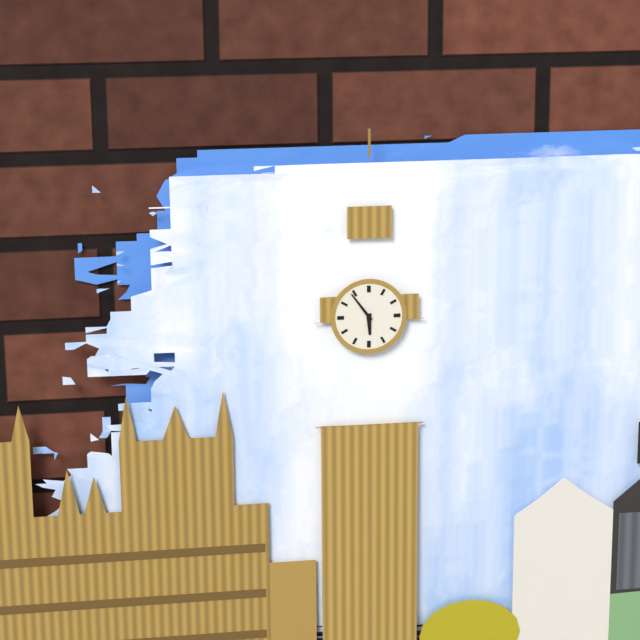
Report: 5 h 54 min
